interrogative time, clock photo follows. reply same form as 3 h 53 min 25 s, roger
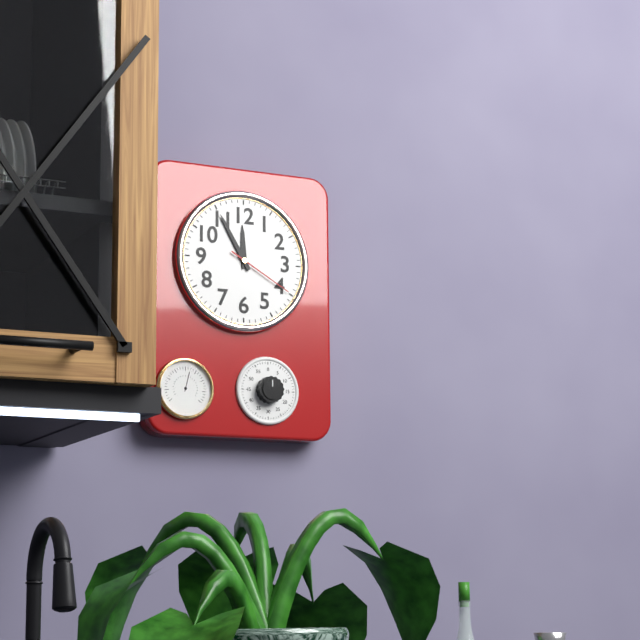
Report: 11 h 55 min 20 s
